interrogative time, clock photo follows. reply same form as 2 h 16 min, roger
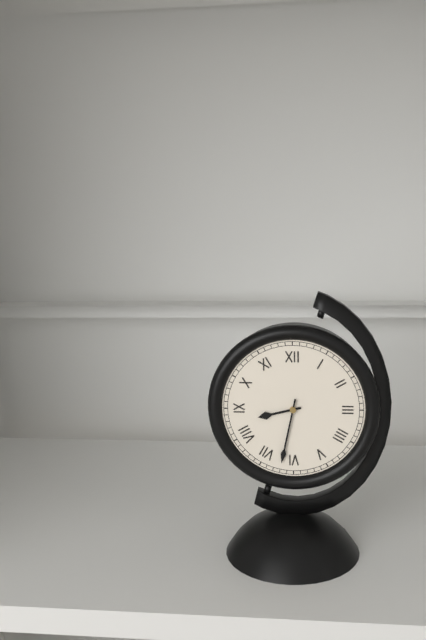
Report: 8 h 32 min
